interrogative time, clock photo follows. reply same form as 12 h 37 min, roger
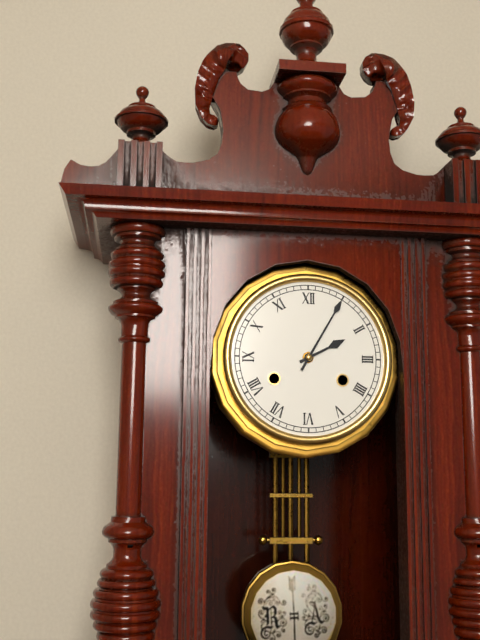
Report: 2 h 05 min
